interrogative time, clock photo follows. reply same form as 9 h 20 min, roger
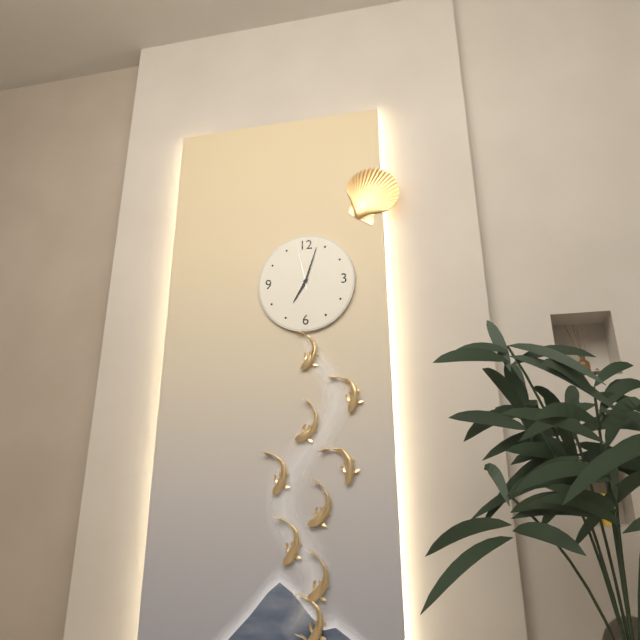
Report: 7 h 03 min
